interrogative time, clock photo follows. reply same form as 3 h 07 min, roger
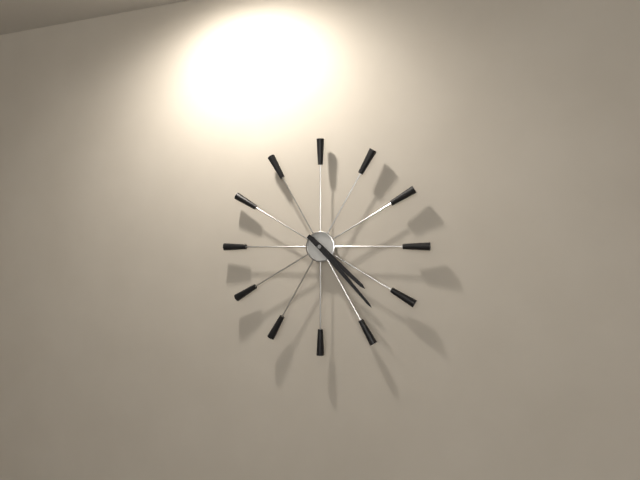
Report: 4 h 23 min
